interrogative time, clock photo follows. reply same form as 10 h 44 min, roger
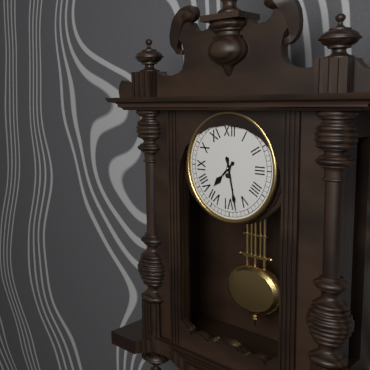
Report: 7 h 28 min
